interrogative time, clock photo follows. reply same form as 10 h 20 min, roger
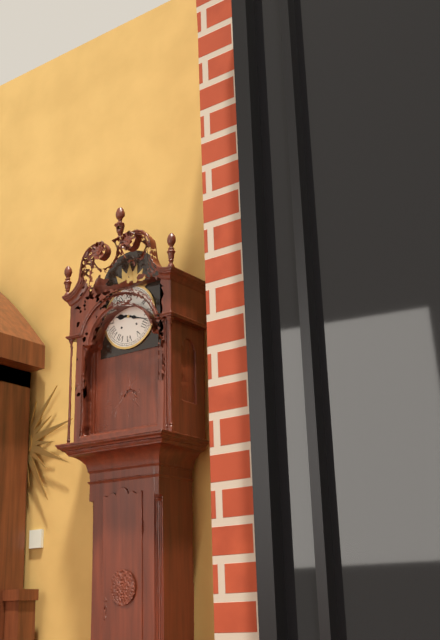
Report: 9 h 18 min
